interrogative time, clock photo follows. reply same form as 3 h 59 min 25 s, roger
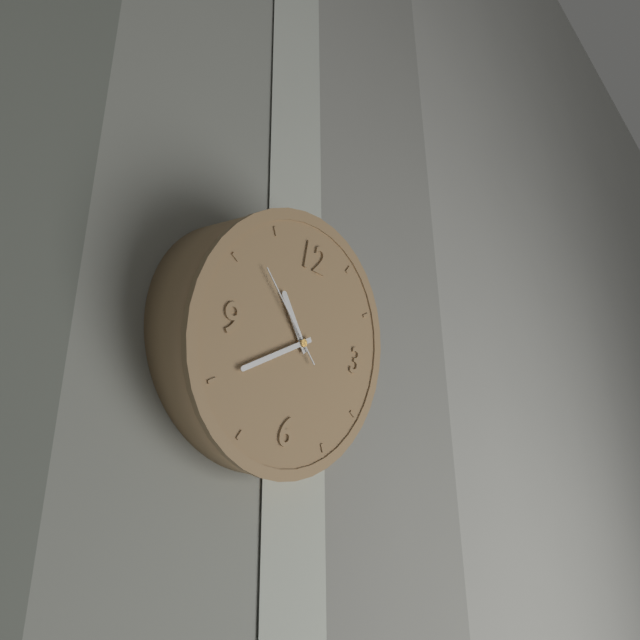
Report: 10 h 40 min 52 s
